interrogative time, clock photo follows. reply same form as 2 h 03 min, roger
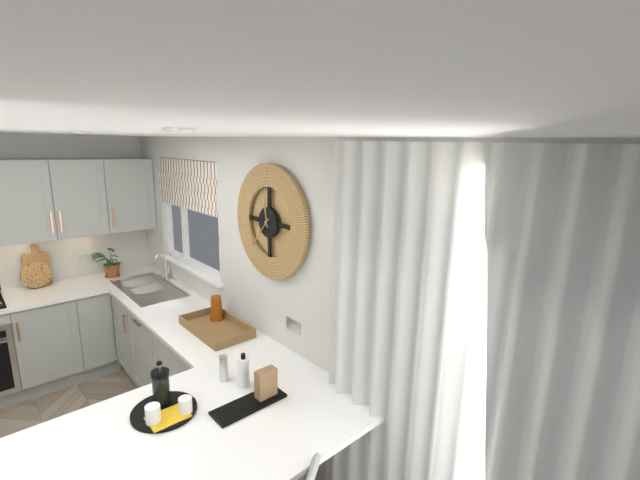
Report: 11 h 37 min
